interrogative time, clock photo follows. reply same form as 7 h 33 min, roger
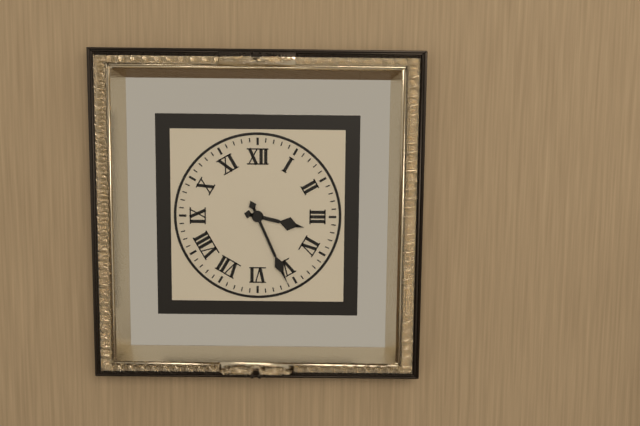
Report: 3 h 26 min
